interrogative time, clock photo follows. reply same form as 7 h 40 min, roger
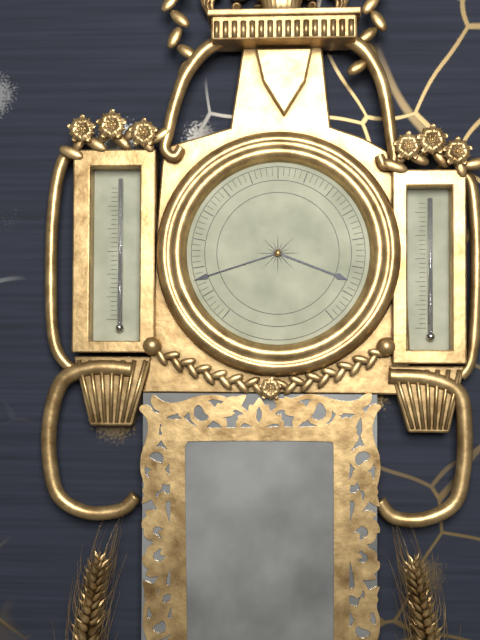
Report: 3 h 42 min
